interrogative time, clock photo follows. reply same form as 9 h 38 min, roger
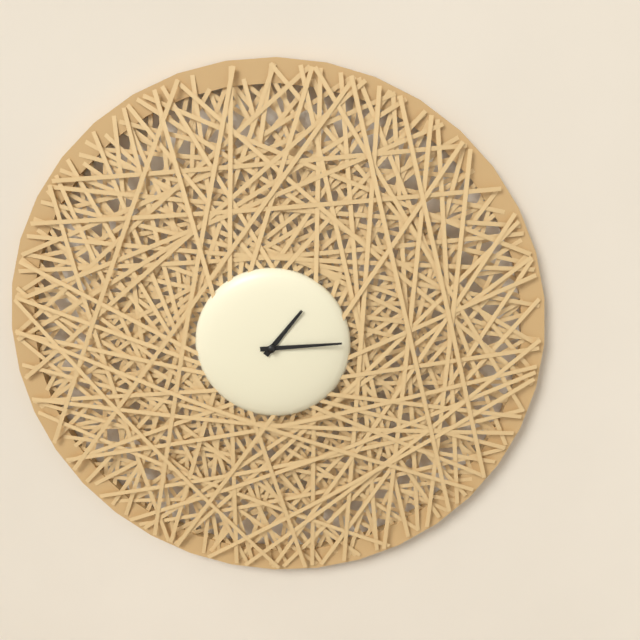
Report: 1 h 14 min
